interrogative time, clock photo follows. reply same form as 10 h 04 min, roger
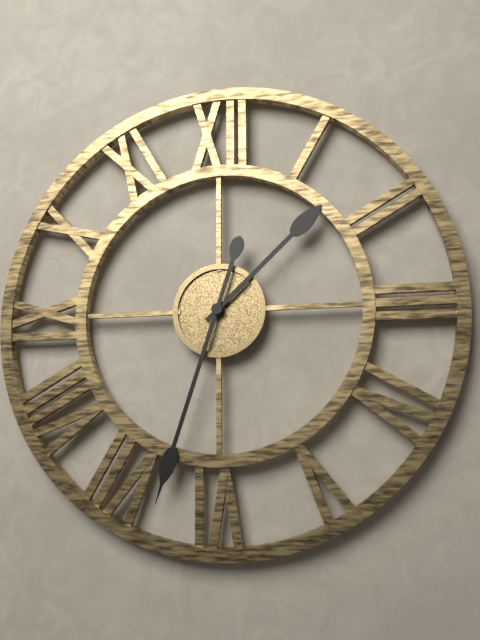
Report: 1 h 33 min
